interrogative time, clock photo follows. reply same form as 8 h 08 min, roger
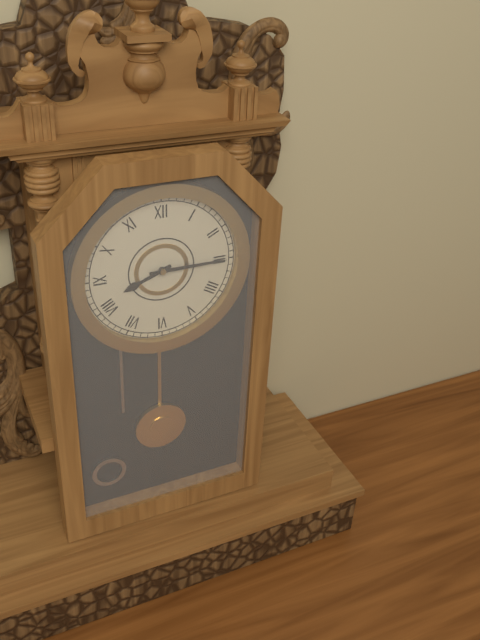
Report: 8 h 15 min
